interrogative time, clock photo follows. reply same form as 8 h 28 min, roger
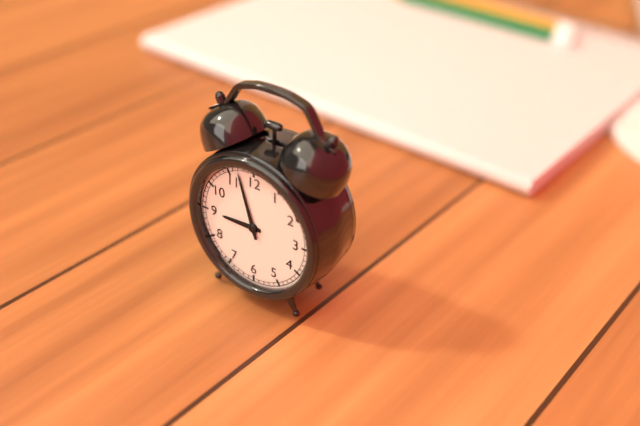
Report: 8 h 57 min
